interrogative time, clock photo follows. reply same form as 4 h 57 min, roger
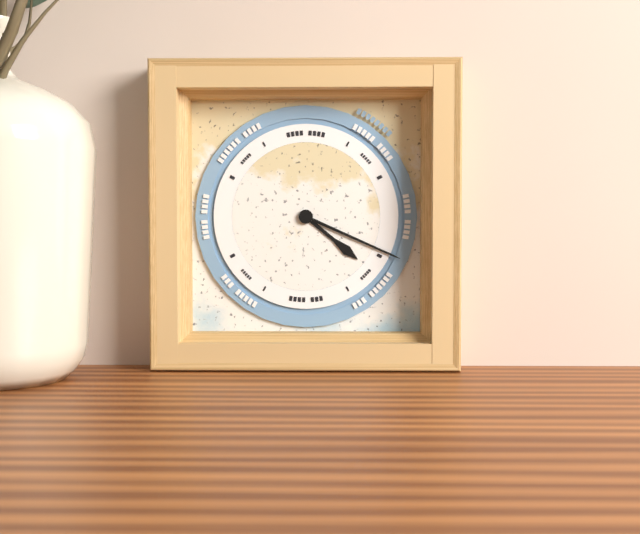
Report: 4 h 19 min
